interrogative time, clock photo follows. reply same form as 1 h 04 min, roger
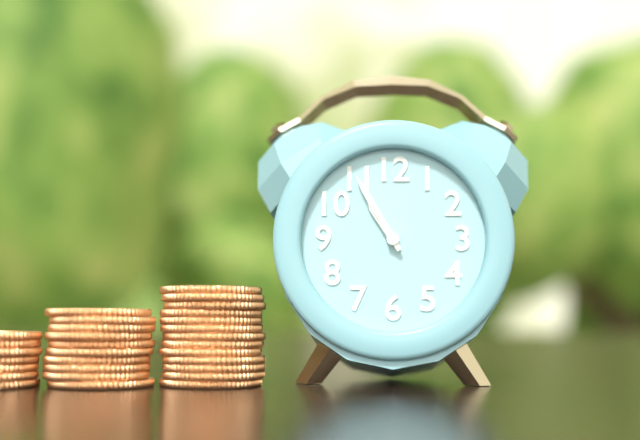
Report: 10 h 55 min
